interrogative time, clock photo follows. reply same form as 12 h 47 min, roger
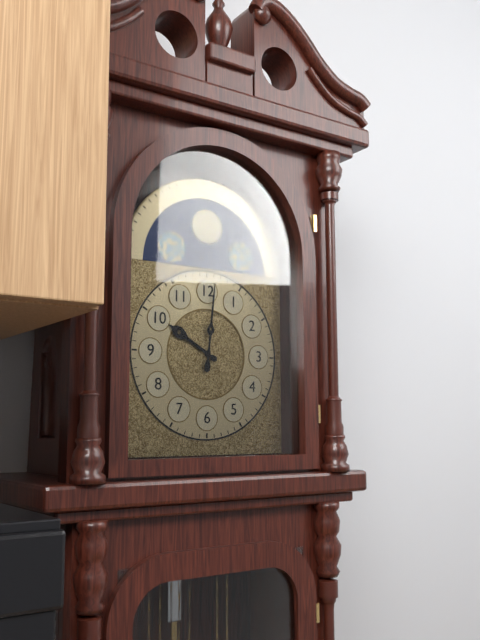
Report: 10 h 01 min
